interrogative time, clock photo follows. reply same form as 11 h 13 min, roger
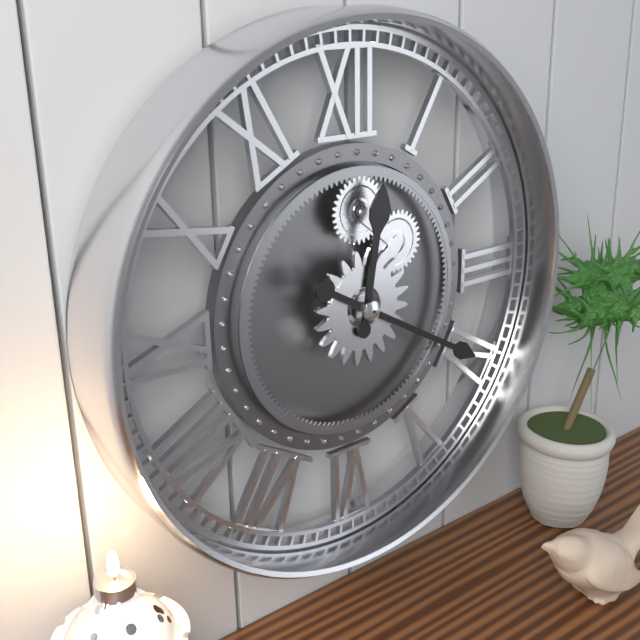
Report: 12 h 20 min
